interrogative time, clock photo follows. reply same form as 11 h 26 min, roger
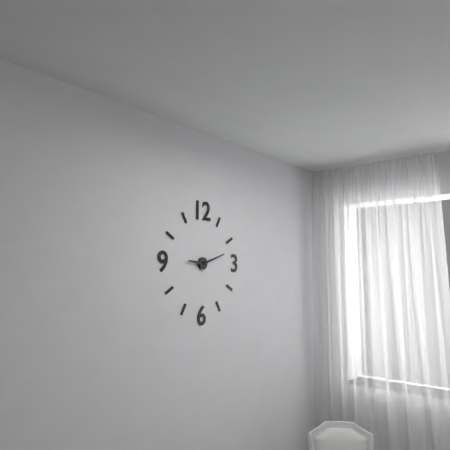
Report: 9 h 12 min
